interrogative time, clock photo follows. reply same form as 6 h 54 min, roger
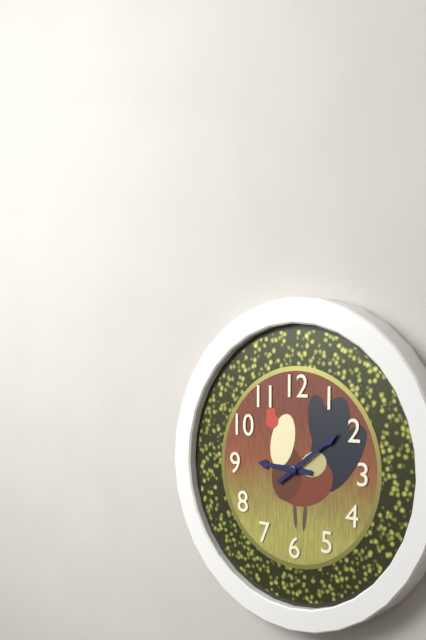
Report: 9 h 09 min
